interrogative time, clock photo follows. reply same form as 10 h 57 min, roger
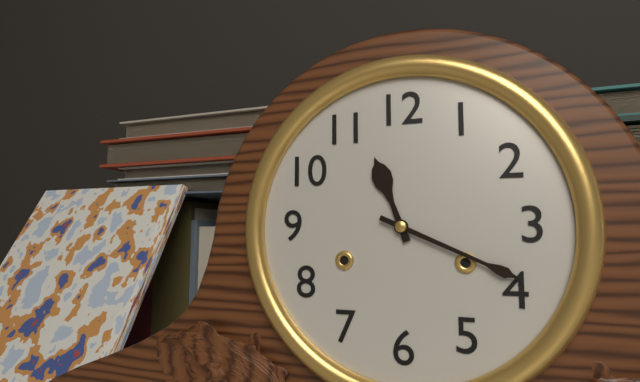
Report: 11 h 19 min
